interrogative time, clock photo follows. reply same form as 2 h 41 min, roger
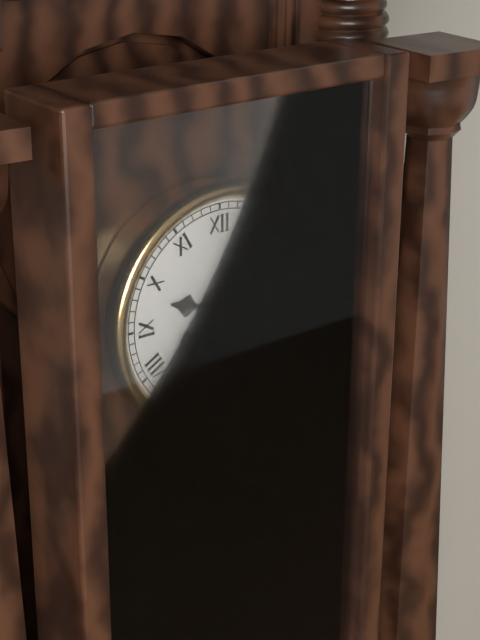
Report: 9 h 35 min
